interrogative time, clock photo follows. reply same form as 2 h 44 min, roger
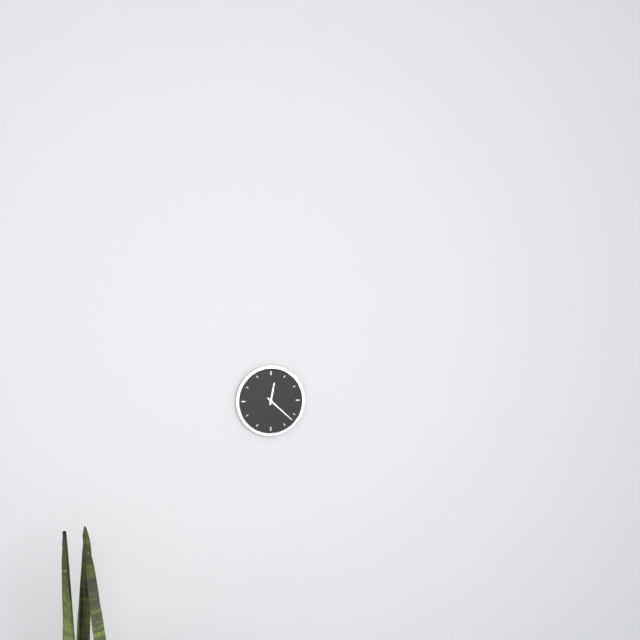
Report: 12 h 22 min
